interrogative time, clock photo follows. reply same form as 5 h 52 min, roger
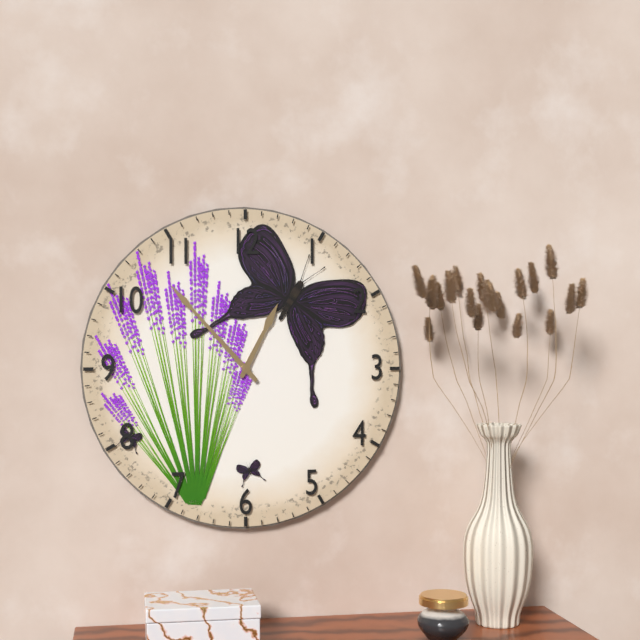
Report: 12 h 53 min
